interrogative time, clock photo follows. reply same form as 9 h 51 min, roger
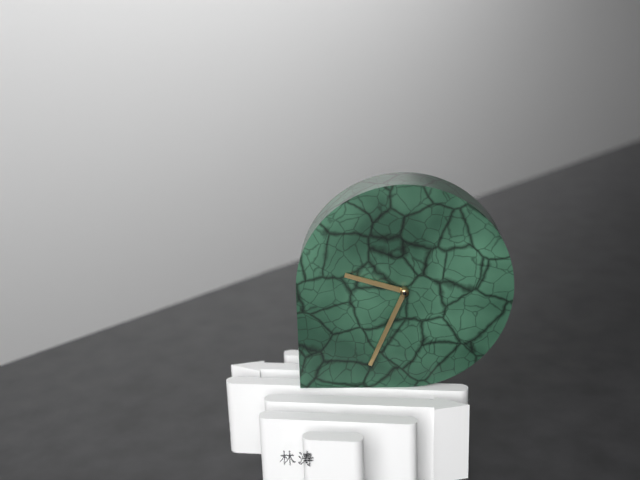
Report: 9 h 34 min
